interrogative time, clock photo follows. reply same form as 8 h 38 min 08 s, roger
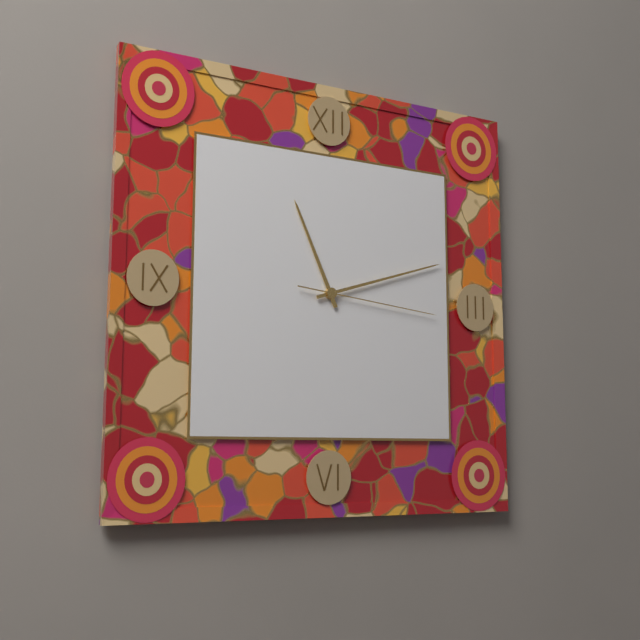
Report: 11 h 12 min 16 s
